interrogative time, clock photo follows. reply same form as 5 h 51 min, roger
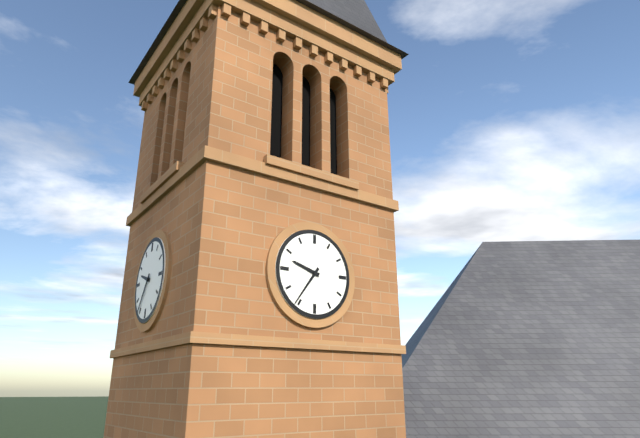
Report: 9 h 36 min
